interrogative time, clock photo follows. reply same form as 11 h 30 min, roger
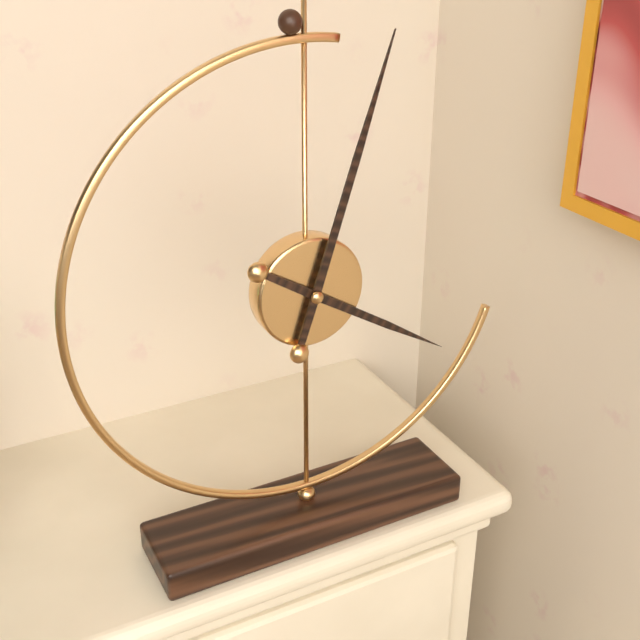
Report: 4 h 03 min
